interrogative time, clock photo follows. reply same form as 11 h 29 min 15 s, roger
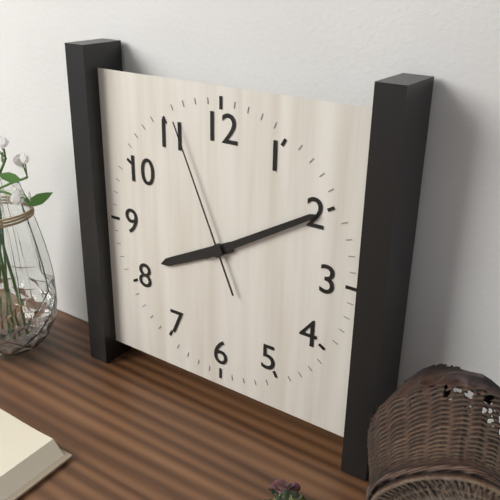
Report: 8 h 10 min 56 s
